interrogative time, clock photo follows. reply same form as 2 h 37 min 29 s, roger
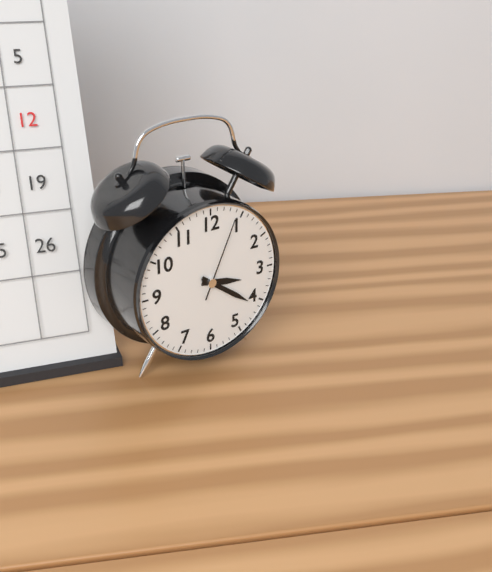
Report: 3 h 21 min 04 s
